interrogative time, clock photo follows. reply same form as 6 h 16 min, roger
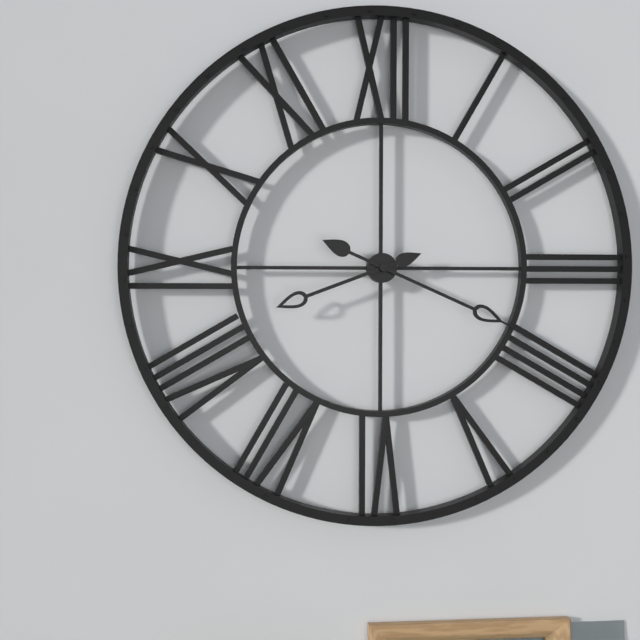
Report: 8 h 19 min
